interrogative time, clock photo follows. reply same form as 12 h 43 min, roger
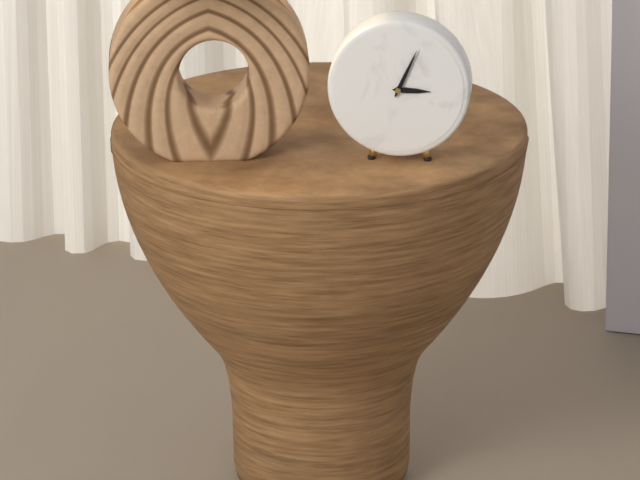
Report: 3 h 04 min
